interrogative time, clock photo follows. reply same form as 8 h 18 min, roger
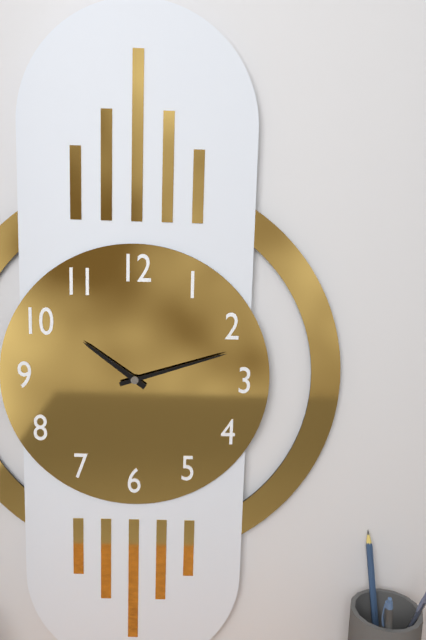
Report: 10 h 12 min
